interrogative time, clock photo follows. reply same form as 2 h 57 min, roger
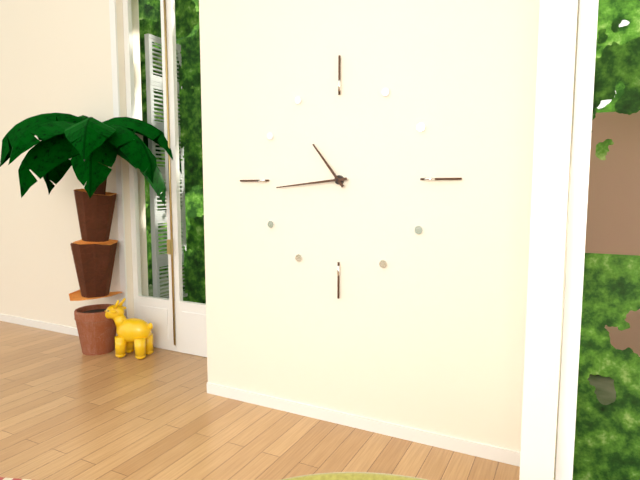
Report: 10 h 44 min
